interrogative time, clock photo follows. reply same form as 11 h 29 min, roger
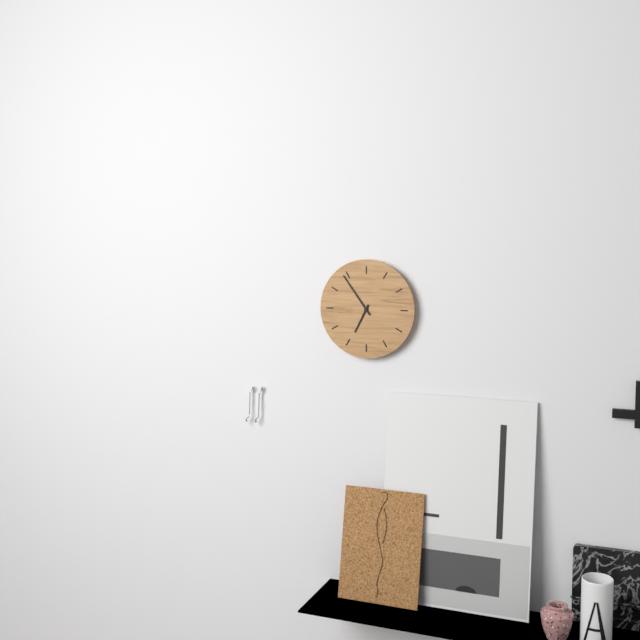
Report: 6 h 54 min
